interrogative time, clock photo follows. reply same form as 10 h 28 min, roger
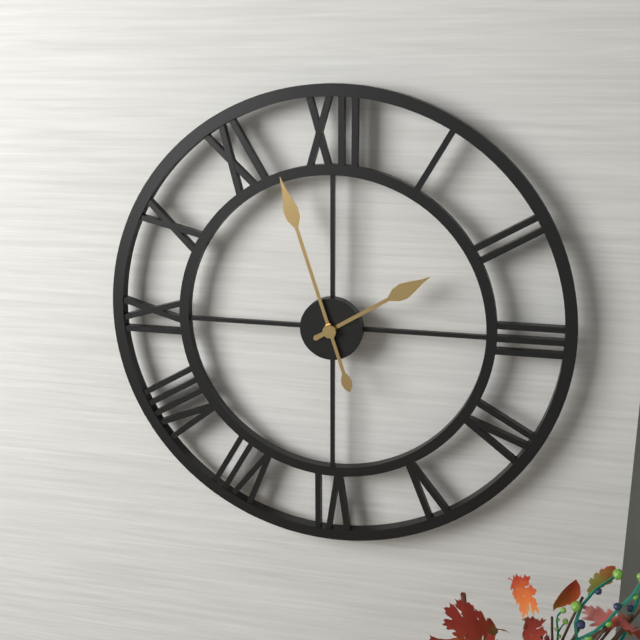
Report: 1 h 57 min
